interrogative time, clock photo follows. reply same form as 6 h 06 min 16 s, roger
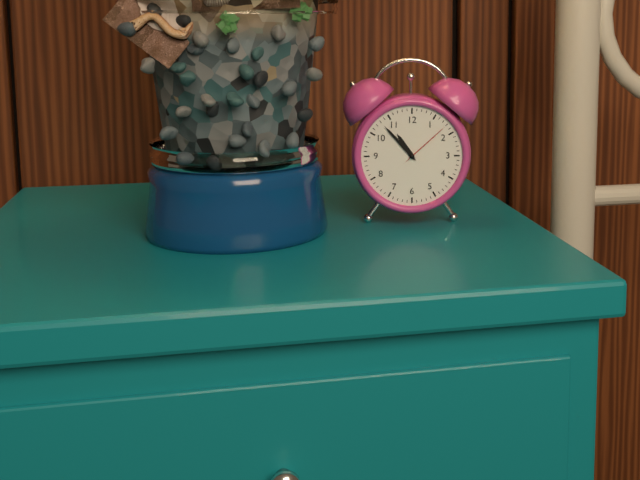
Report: 10 h 53 min 08 s
